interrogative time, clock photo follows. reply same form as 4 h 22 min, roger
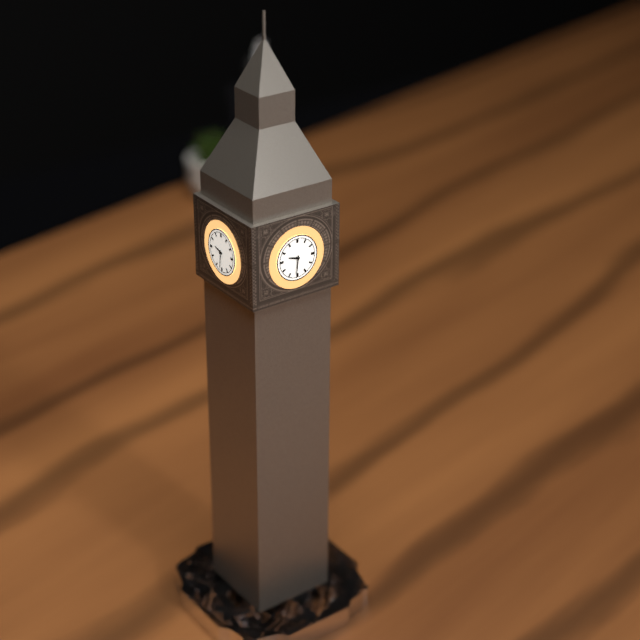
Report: 9 h 31 min
